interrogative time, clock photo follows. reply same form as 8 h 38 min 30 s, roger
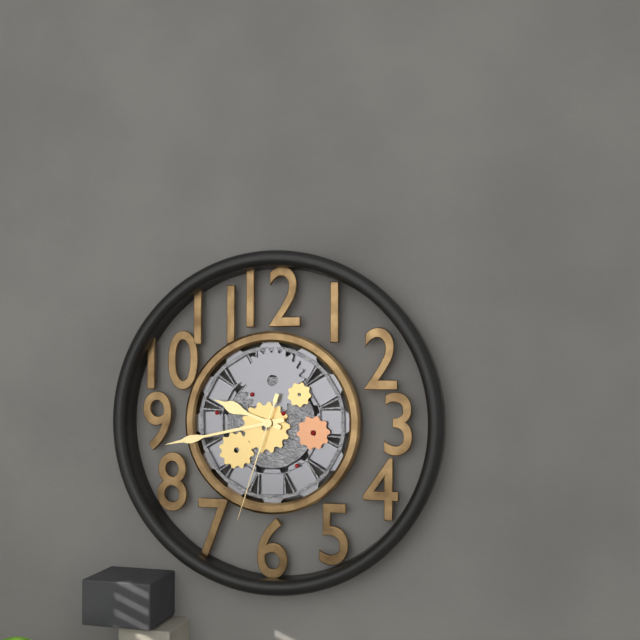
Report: 9 h 43 min 33 s
